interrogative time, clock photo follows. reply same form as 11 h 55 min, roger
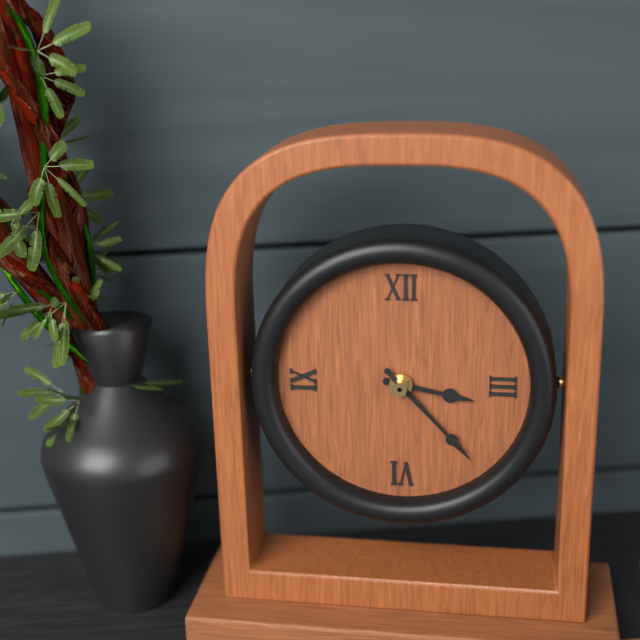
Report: 3 h 23 min
